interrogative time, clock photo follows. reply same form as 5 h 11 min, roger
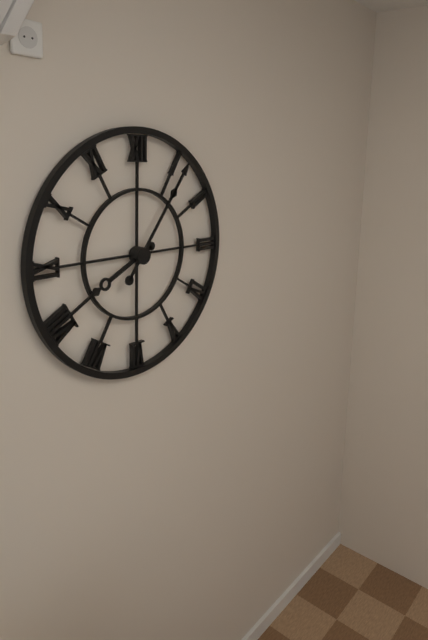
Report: 8 h 06 min
